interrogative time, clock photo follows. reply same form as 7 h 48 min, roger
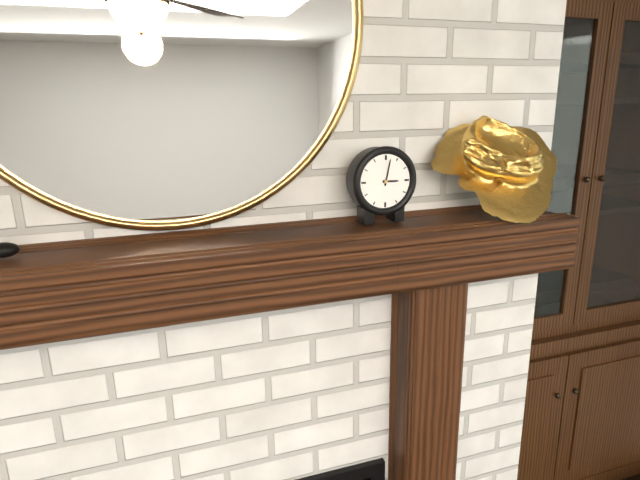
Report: 3 h 02 min
